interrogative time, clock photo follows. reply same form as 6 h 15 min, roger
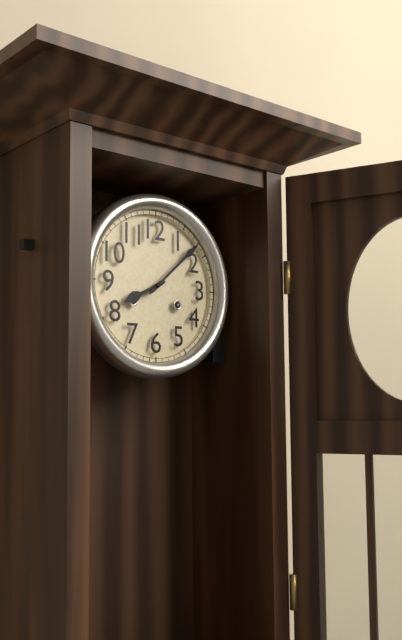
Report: 8 h 08 min
